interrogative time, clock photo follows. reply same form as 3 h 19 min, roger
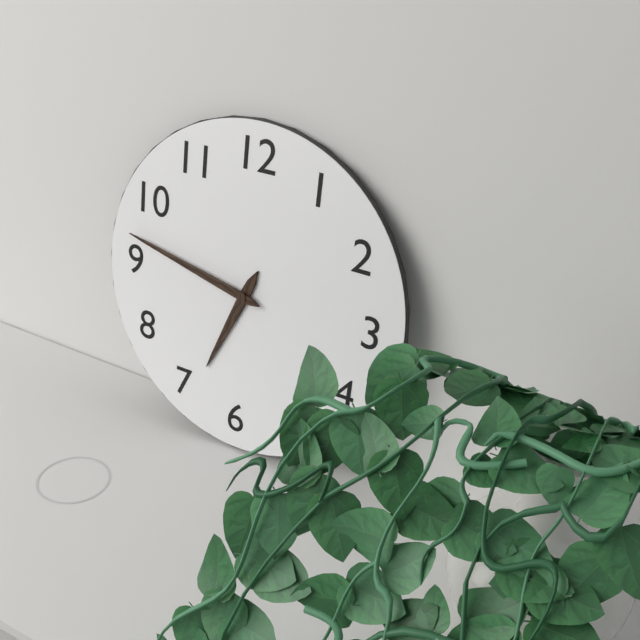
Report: 6 h 47 min
